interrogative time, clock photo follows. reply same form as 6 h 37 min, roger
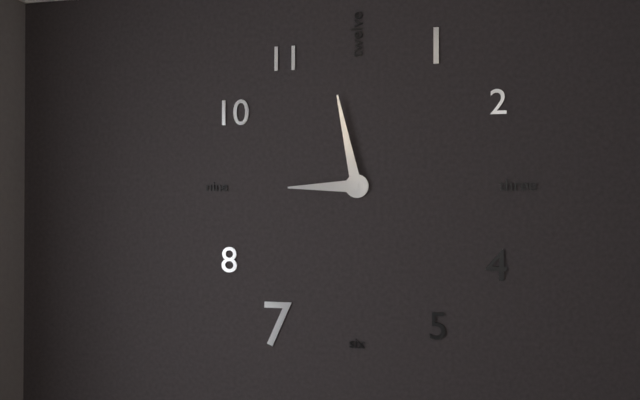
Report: 8 h 58 min
